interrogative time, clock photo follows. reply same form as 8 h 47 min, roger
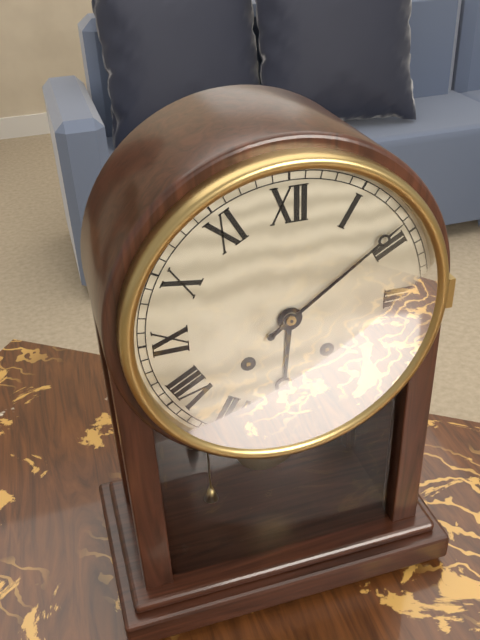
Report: 6 h 09 min
